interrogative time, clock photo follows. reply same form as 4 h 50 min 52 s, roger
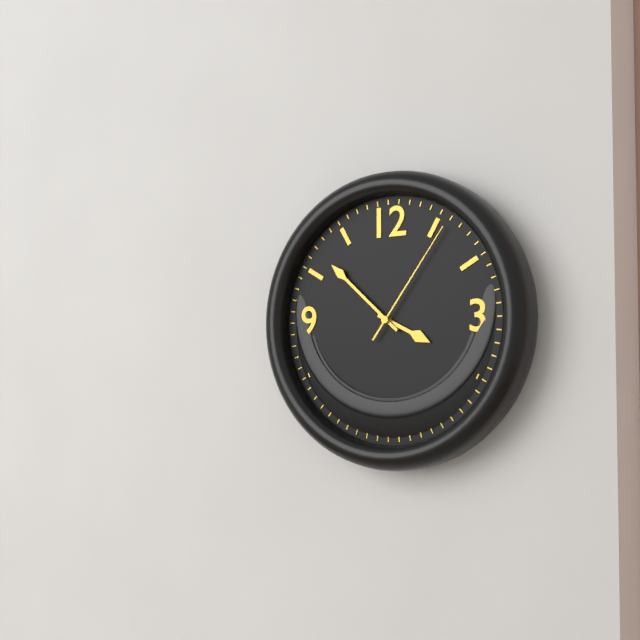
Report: 3 h 52 min 06 s
